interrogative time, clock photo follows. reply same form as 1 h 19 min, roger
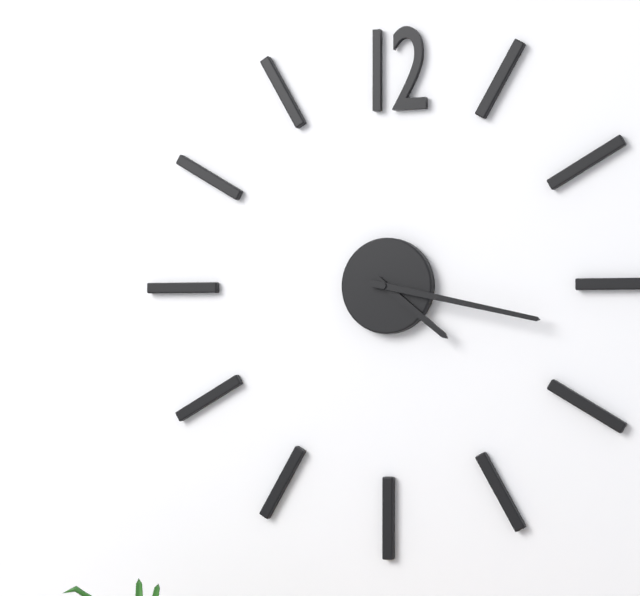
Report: 4 h 17 min
